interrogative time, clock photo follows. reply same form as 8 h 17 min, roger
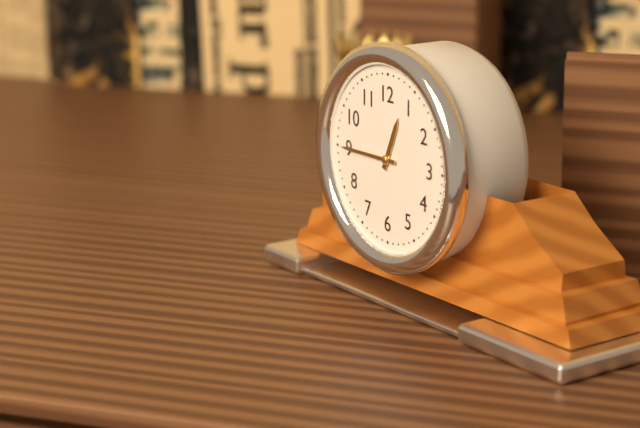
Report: 12 h 45 min
